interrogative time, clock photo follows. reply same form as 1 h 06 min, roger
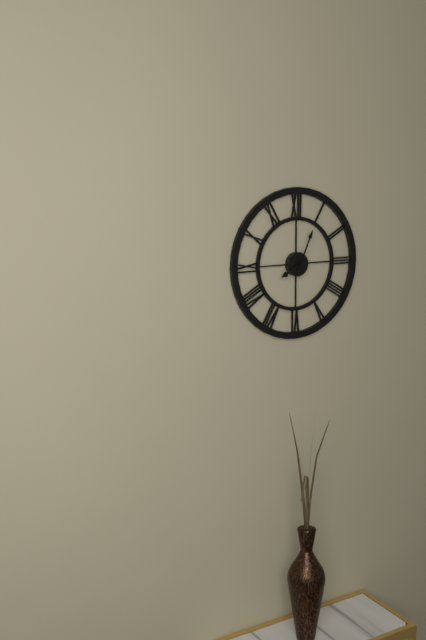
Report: 8 h 04 min
